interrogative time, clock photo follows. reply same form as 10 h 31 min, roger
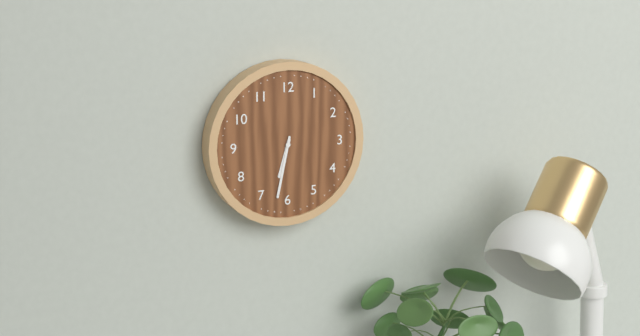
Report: 6 h 32 min
